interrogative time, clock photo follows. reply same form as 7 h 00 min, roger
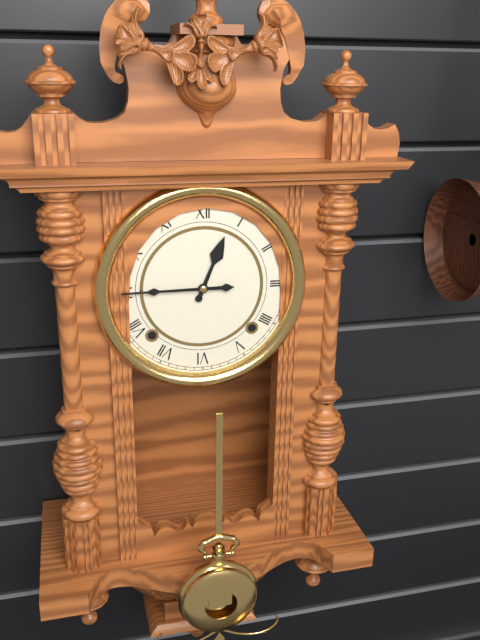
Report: 12 h 45 min
